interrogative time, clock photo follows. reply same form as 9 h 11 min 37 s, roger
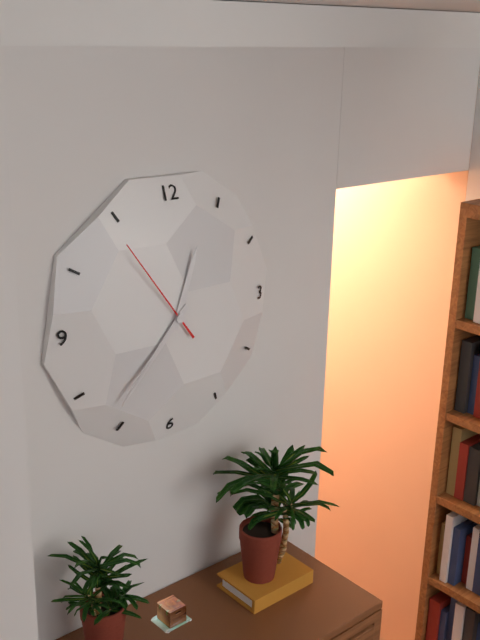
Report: 12 h 37 min 54 s
